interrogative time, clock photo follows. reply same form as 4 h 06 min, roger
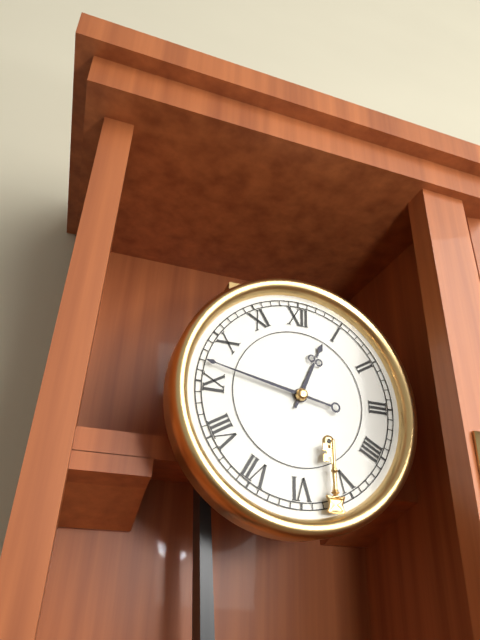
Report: 12 h 47 min
